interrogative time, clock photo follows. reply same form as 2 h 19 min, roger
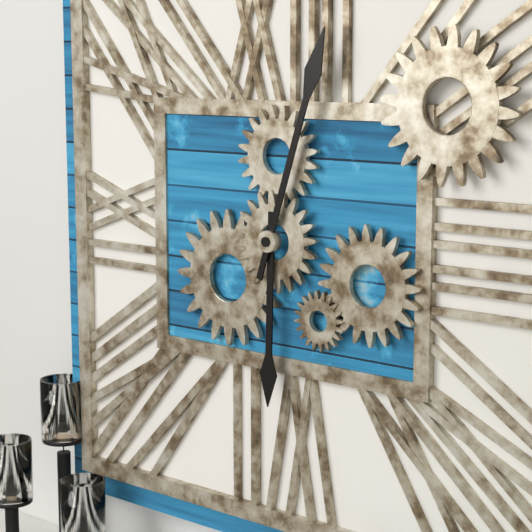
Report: 6 h 03 min
